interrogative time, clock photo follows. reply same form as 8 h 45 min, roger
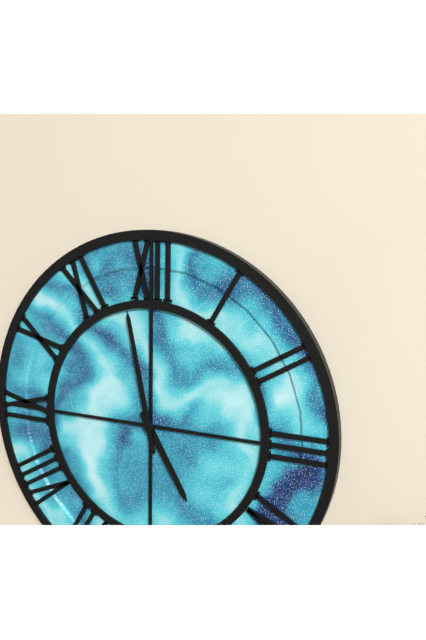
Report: 4 h 58 min
